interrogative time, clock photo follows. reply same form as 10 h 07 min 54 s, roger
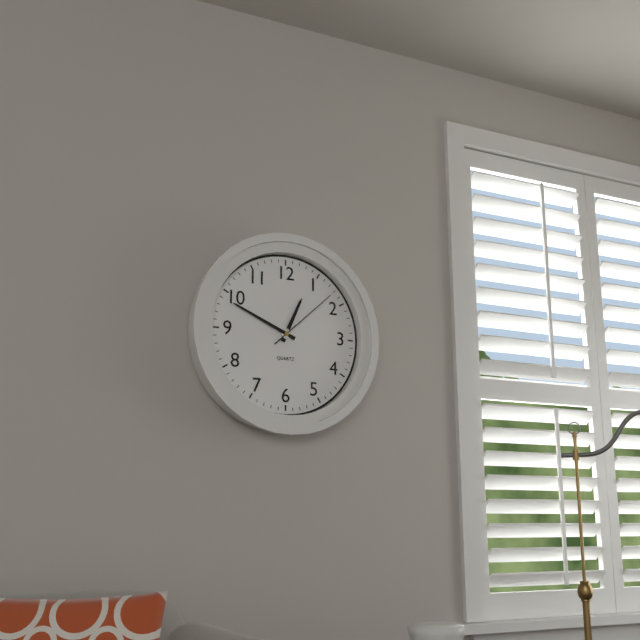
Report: 12 h 49 min 08 s
